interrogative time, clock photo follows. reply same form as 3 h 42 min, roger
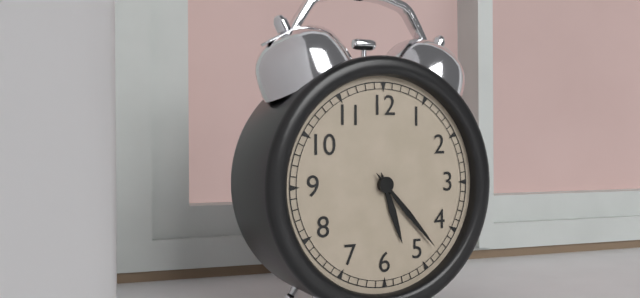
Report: 5 h 23 min
